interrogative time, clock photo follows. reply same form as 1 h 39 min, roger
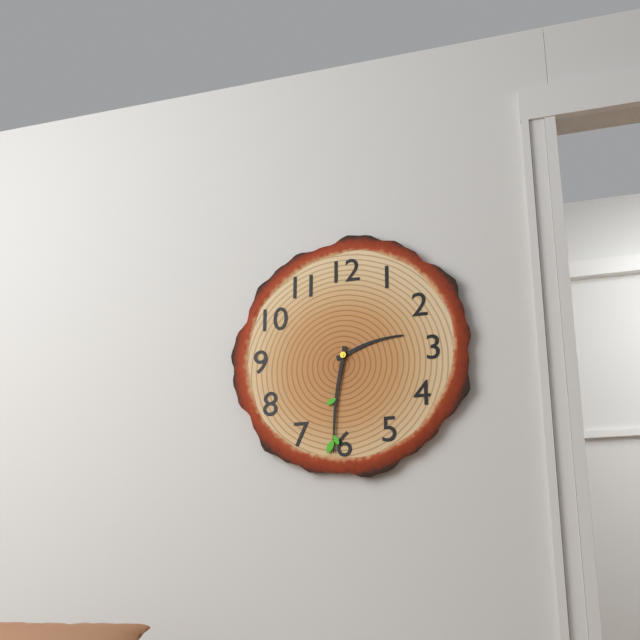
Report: 2 h 31 min
